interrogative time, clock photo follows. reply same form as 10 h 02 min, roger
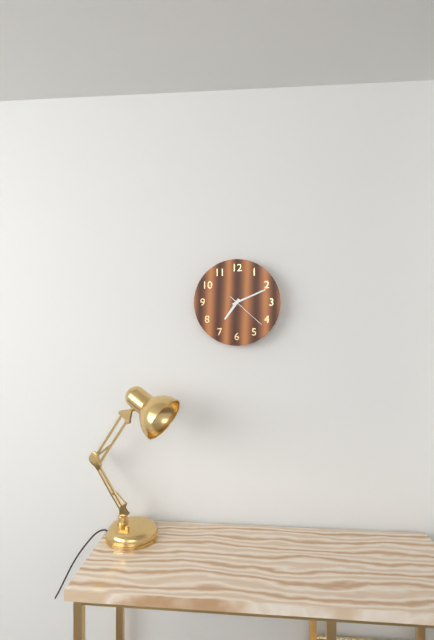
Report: 7 h 11 min
